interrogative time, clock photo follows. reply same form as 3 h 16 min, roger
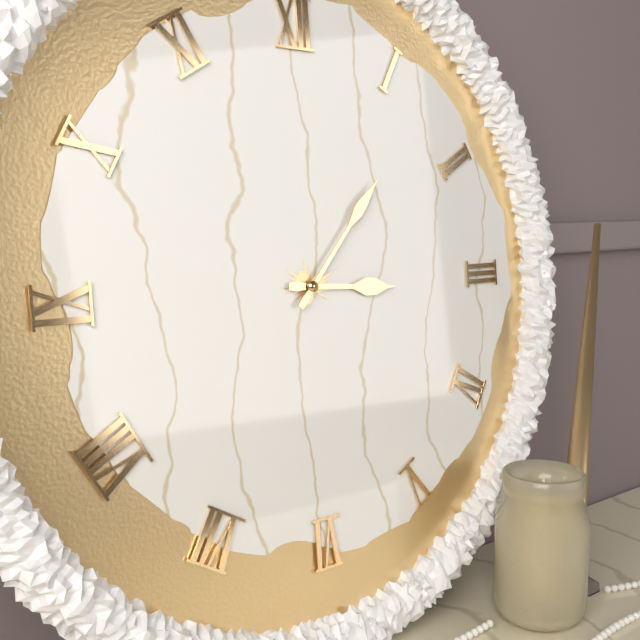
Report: 3 h 07 min
